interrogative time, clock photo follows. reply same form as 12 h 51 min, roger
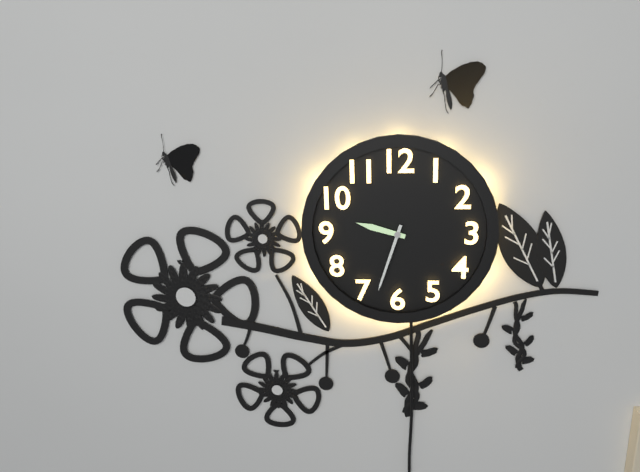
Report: 9 h 33 min
